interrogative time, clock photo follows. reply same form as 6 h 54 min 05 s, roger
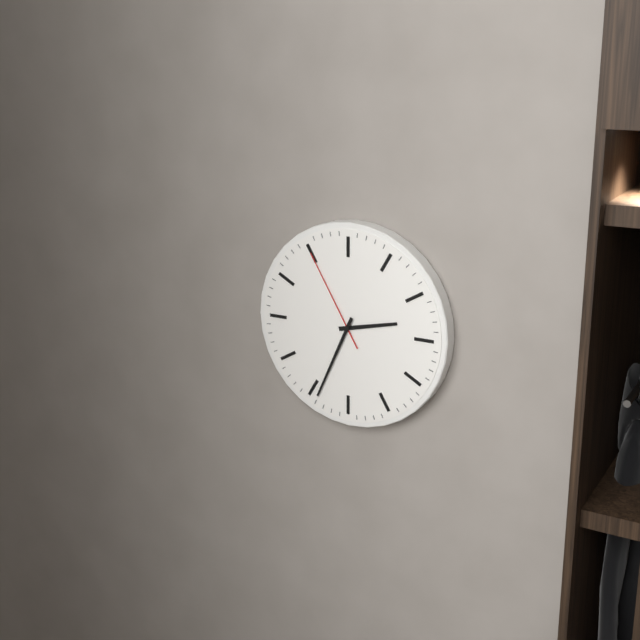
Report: 2 h 34 min 55 s
